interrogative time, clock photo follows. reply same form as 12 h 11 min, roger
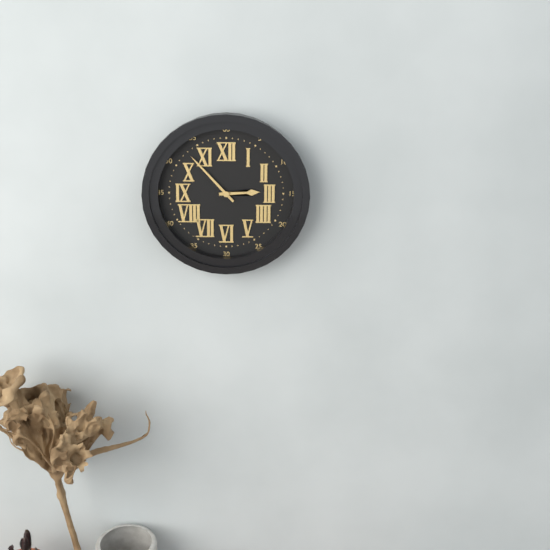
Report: 2 h 53 min
